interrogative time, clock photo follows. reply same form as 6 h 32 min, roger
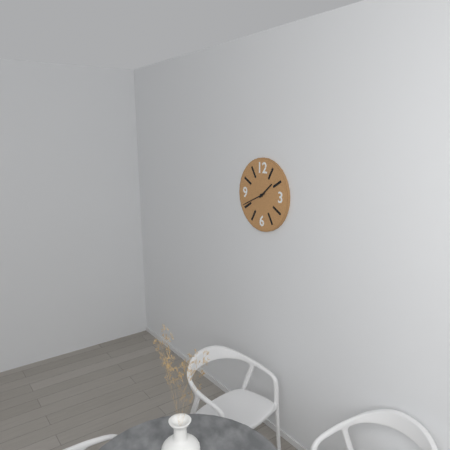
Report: 1 h 41 min
